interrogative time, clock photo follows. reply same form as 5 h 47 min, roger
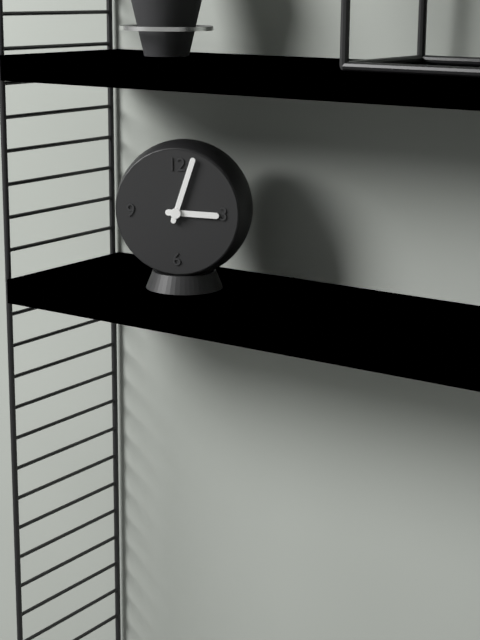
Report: 3 h 03 min
